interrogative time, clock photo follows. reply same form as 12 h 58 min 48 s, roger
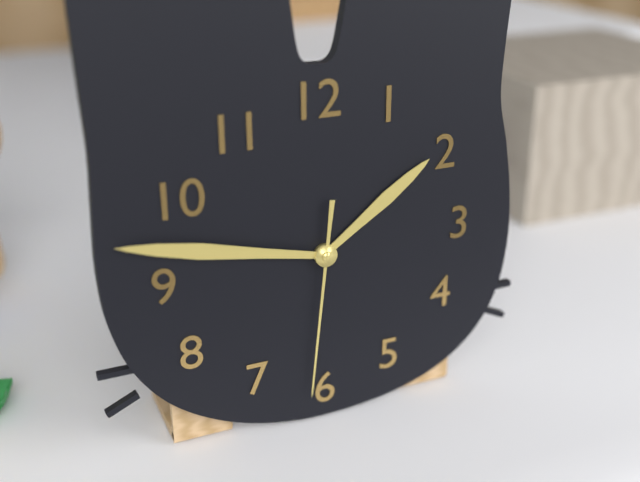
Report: 1 h 47 min 31 s
